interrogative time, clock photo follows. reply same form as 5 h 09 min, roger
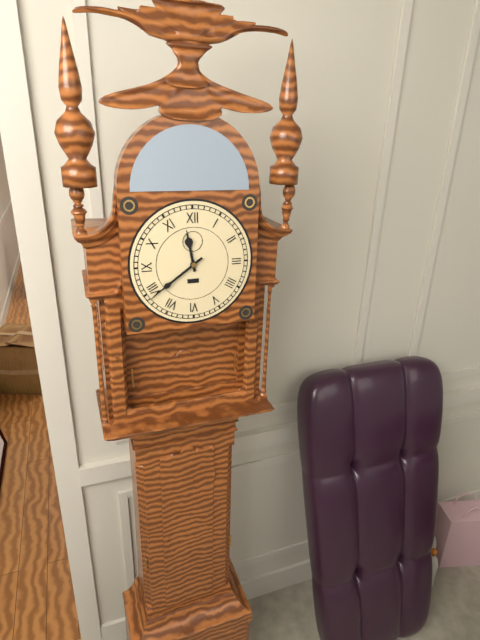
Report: 11 h 39 min
